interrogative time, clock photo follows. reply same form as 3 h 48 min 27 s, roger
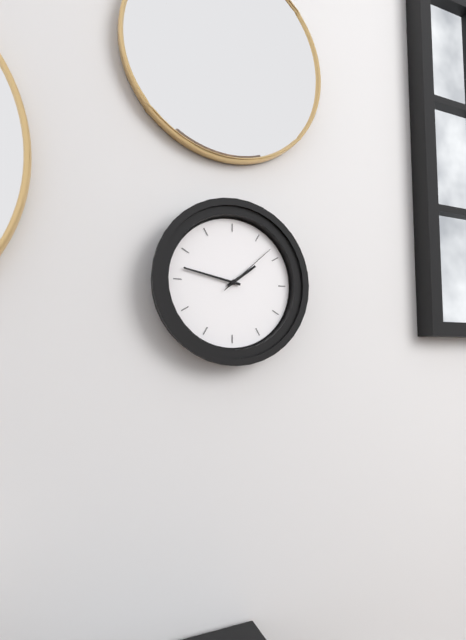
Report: 1 h 47 min 08 s
